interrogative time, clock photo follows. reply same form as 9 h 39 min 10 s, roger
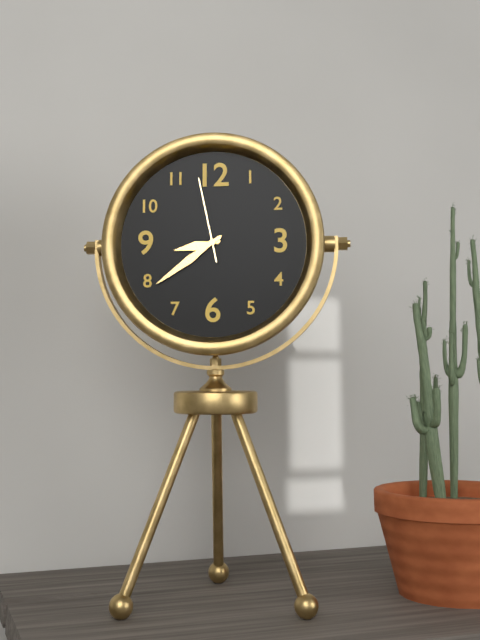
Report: 8 h 39 min 58 s
